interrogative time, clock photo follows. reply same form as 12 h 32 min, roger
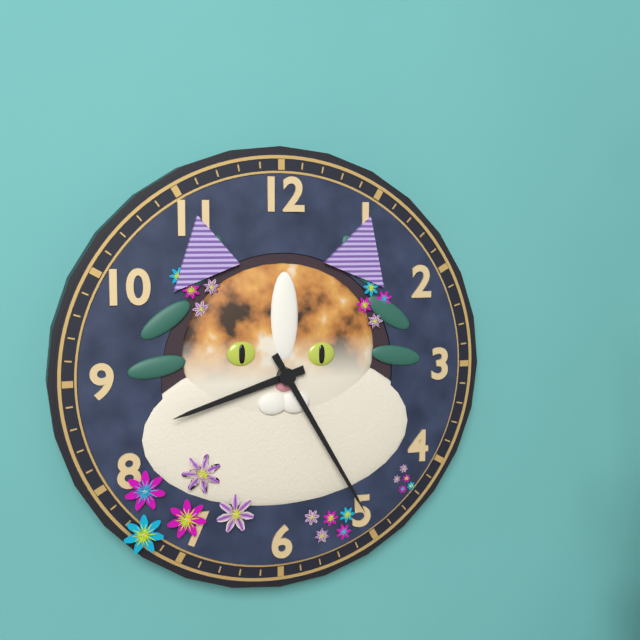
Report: 8 h 25 min
